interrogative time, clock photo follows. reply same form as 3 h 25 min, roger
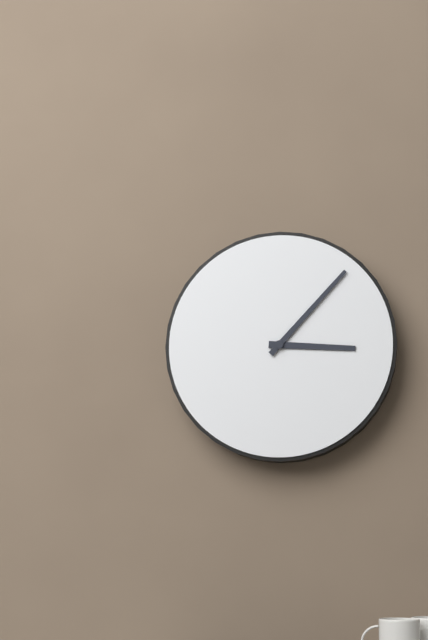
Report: 3 h 07 min
